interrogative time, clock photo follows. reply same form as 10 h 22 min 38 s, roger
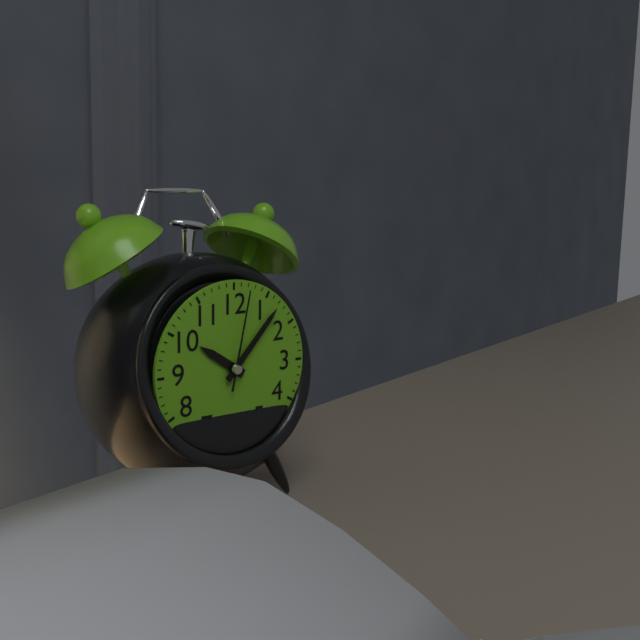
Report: 10 h 07 min 02 s
